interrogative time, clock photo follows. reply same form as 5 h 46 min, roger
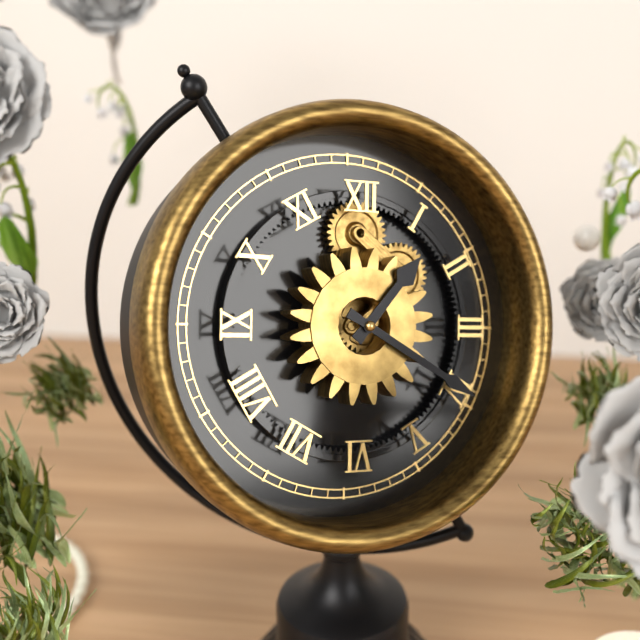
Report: 1 h 20 min
